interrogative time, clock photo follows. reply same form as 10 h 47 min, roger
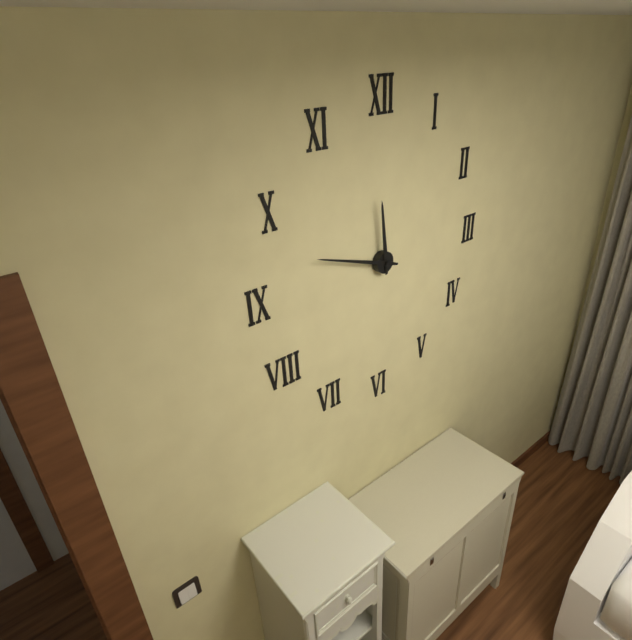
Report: 11 h 48 min
